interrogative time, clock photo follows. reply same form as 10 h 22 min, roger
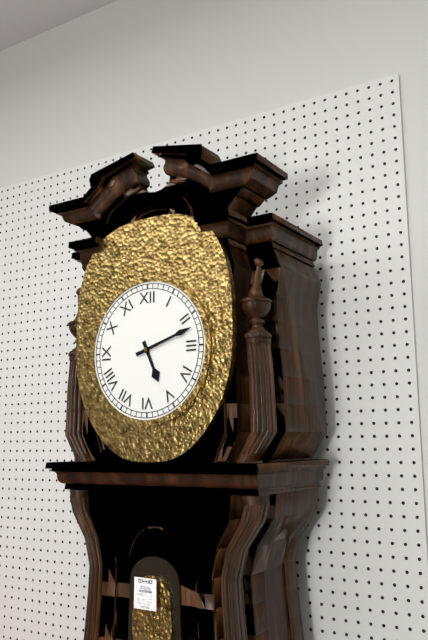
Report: 5 h 12 min
